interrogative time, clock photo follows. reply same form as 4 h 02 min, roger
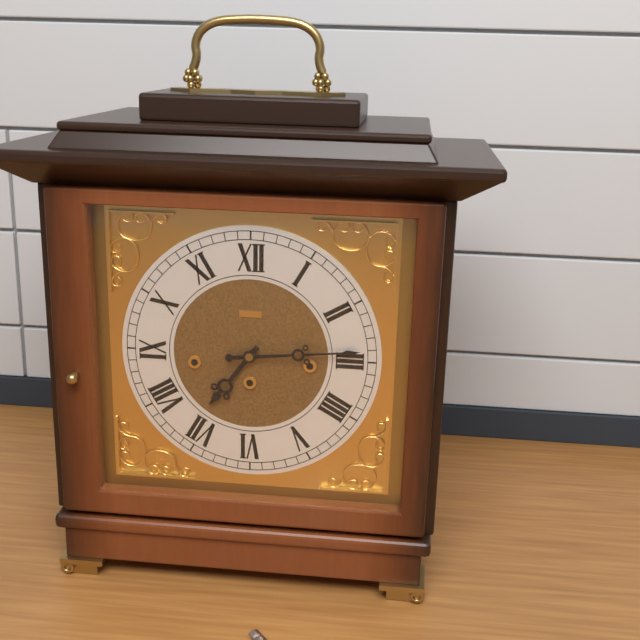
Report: 7 h 14 min
